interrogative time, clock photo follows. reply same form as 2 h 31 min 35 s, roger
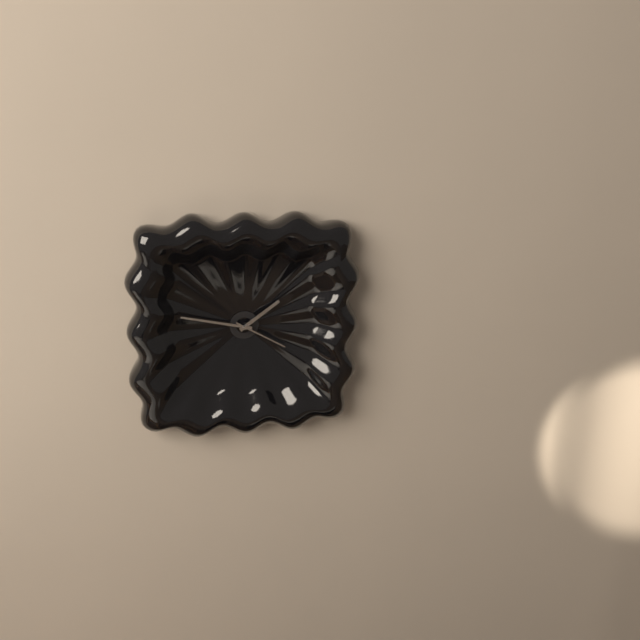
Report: 1 h 47 min 20 s
